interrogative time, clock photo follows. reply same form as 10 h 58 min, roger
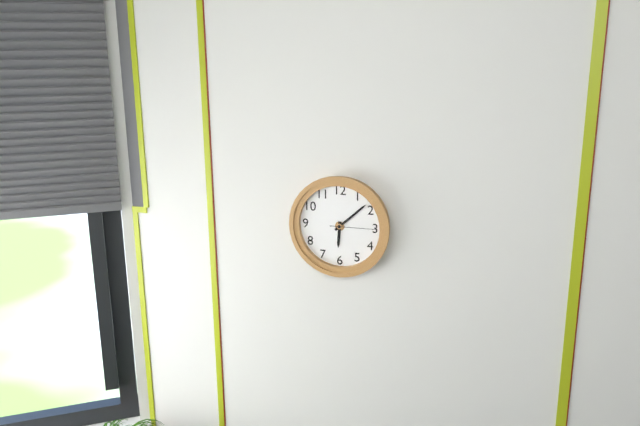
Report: 6 h 08 min
